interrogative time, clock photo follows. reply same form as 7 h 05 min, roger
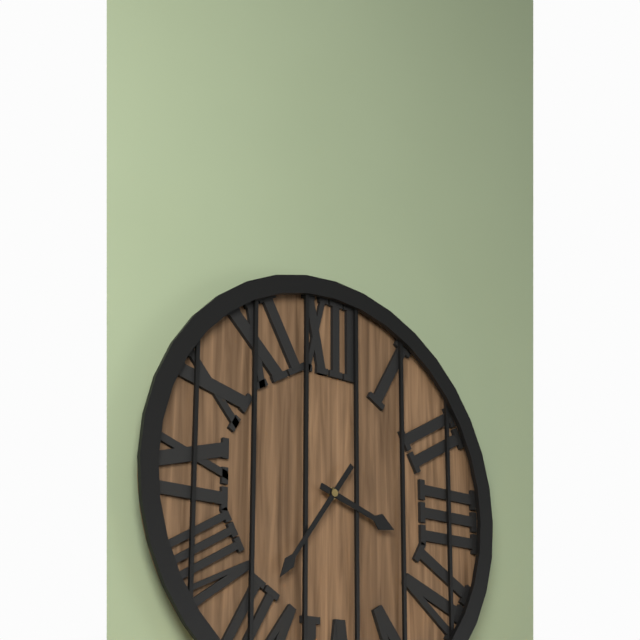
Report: 3 h 36 min
